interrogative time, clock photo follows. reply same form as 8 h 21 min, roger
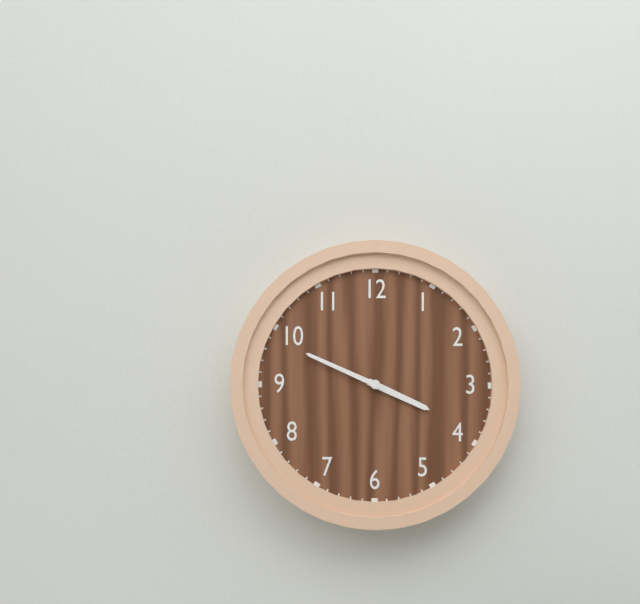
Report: 3 h 49 min
